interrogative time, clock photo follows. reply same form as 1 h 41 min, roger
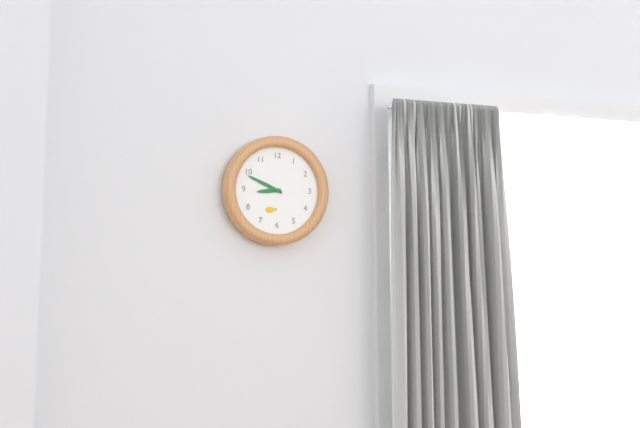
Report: 8 h 49 min
